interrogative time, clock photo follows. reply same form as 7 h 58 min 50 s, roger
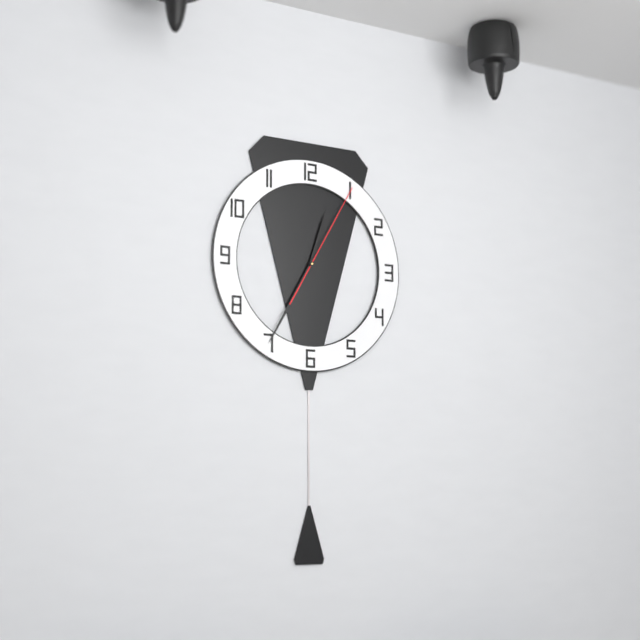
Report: 12 h 35 min 05 s
